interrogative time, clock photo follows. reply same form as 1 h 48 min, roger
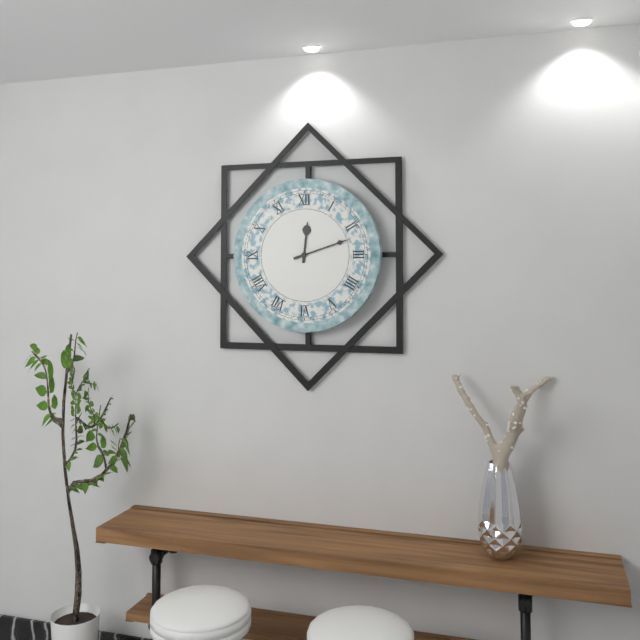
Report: 12 h 12 min
